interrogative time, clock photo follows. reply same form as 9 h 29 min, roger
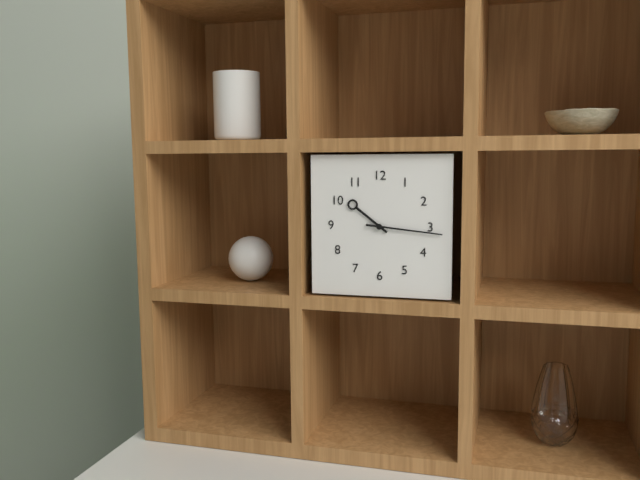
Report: 10 h 16 min
